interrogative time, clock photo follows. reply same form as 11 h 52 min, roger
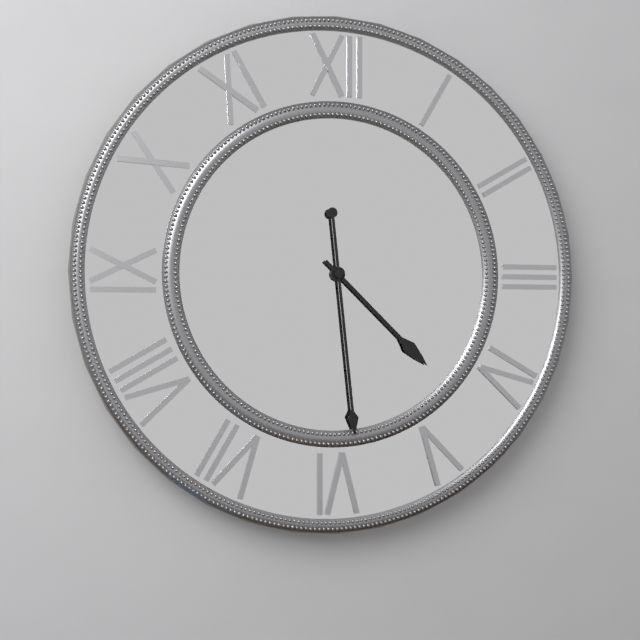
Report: 4 h 29 min
